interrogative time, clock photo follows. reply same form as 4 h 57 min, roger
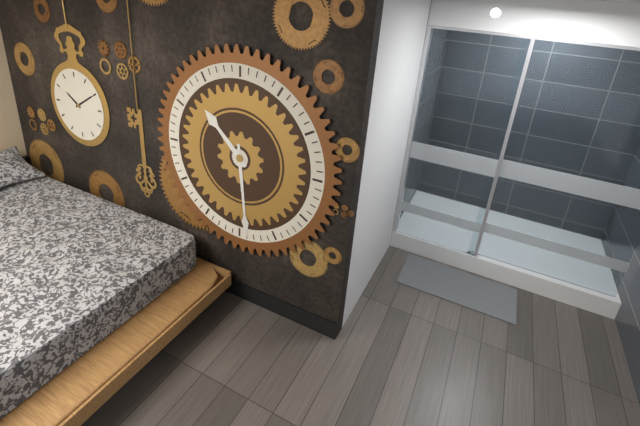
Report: 10 h 29 min
